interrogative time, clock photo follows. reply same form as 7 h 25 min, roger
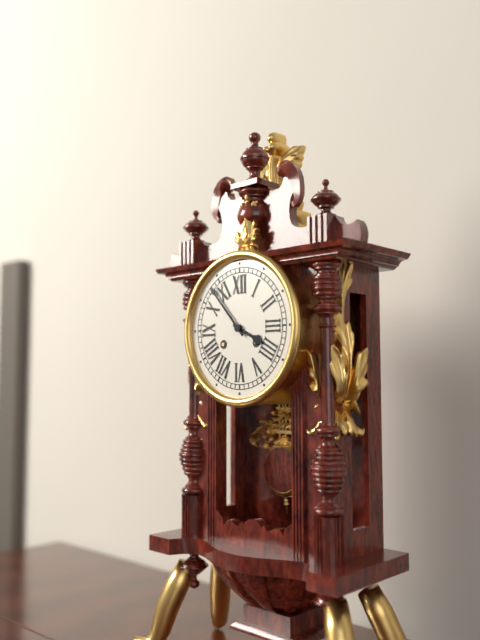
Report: 3 h 53 min
